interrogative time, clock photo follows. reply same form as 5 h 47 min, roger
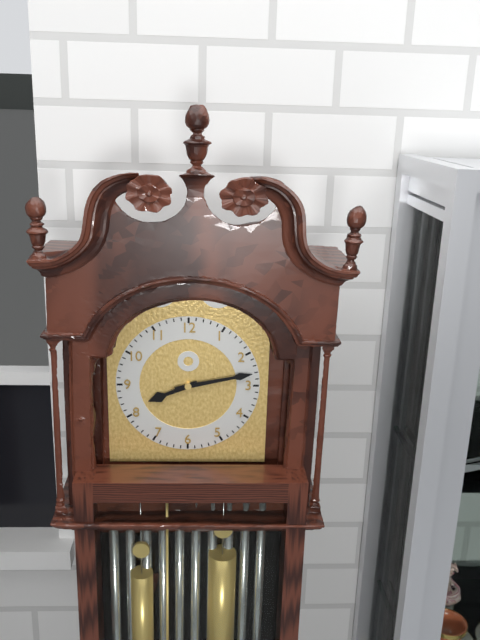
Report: 8 h 13 min
